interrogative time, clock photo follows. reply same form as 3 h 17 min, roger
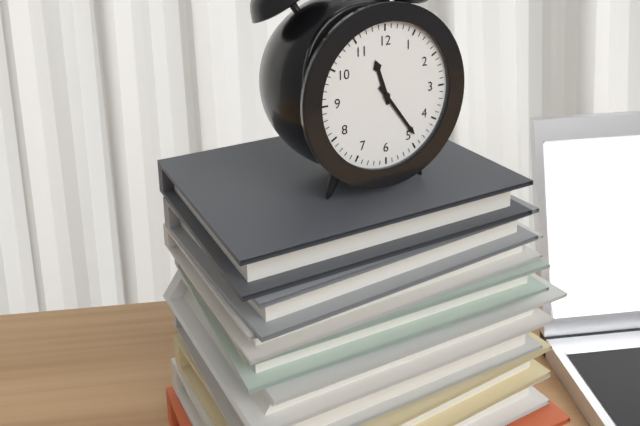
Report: 11 h 24 min
